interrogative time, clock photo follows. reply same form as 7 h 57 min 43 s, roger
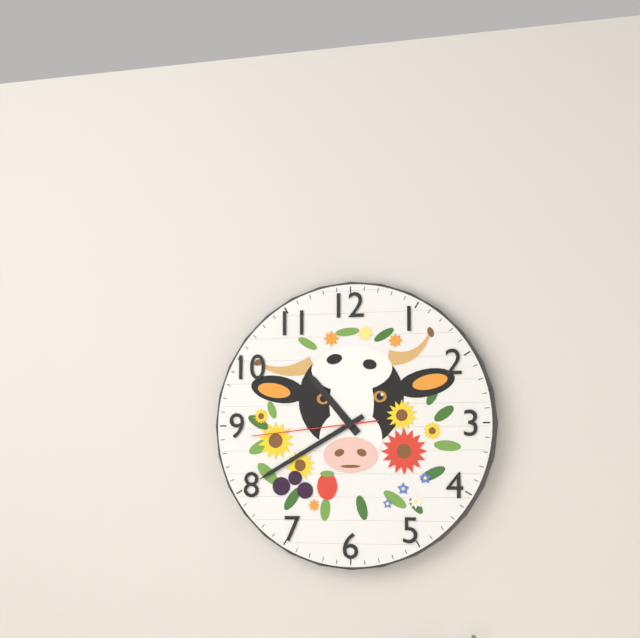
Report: 10 h 40 min 44 s
